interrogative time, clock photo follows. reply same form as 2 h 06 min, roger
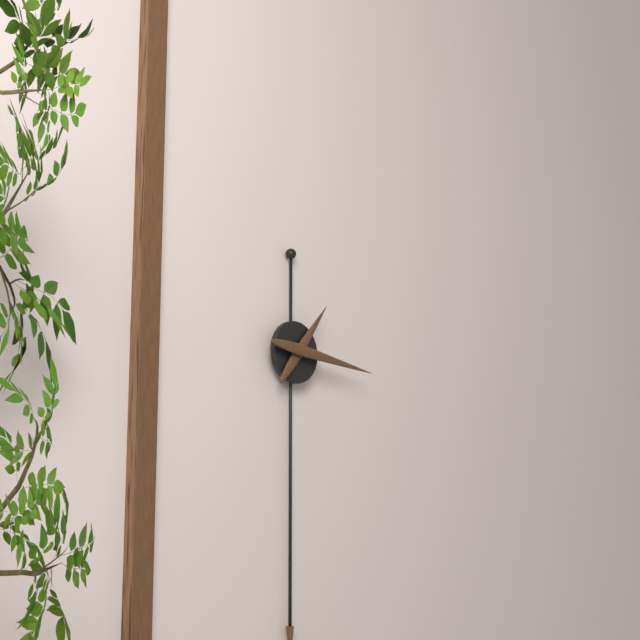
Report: 1 h 16 min
